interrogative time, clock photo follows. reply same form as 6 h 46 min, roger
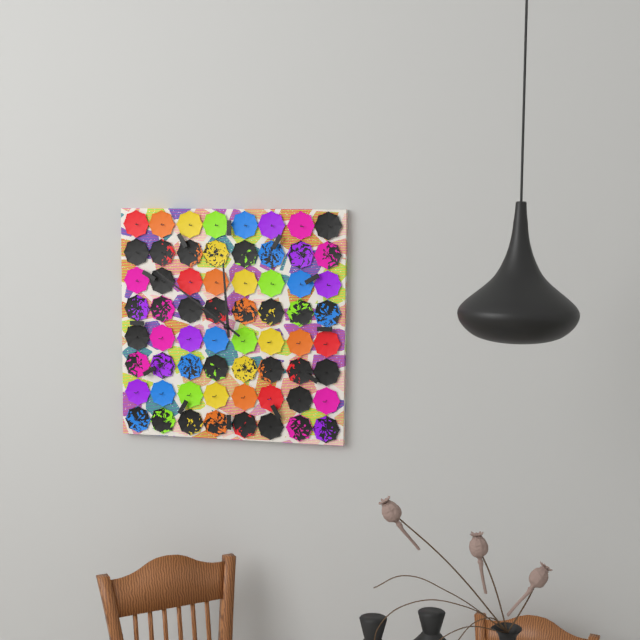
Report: 11 h 51 min
